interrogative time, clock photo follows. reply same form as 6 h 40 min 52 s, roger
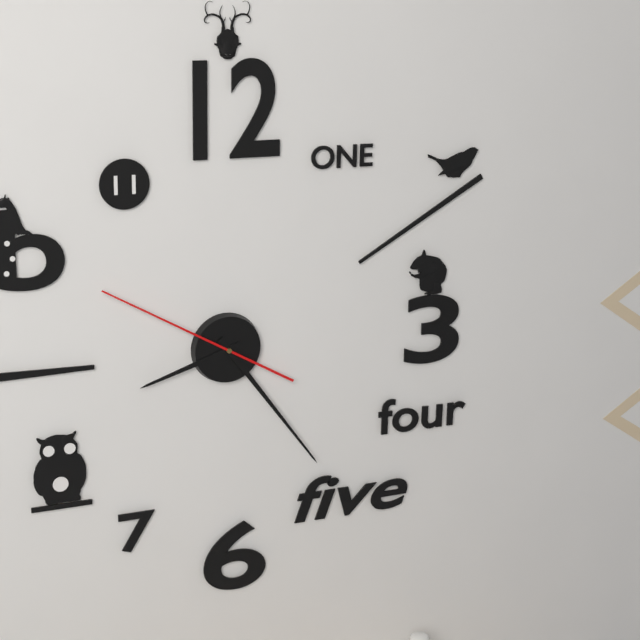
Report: 8 h 24 min 50 s
